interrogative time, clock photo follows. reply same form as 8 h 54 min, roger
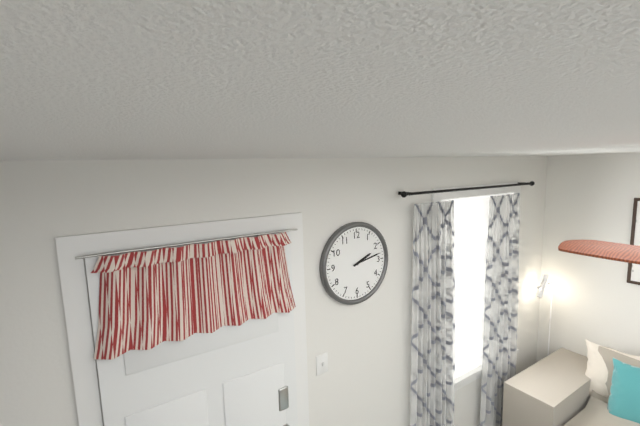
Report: 2 h 13 min
